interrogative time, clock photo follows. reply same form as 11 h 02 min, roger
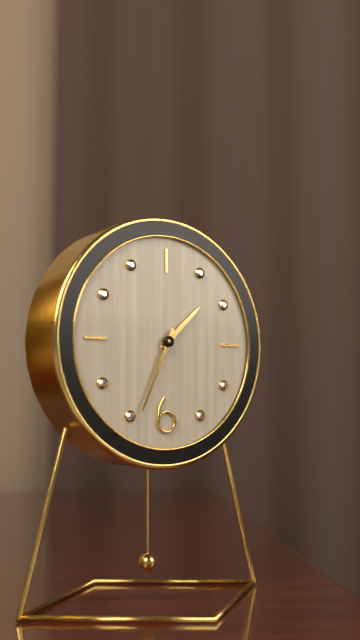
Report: 1 h 34 min
